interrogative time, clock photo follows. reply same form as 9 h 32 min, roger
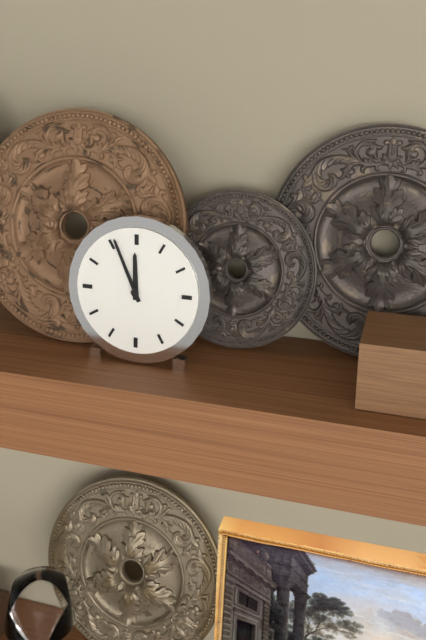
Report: 11 h 56 min
